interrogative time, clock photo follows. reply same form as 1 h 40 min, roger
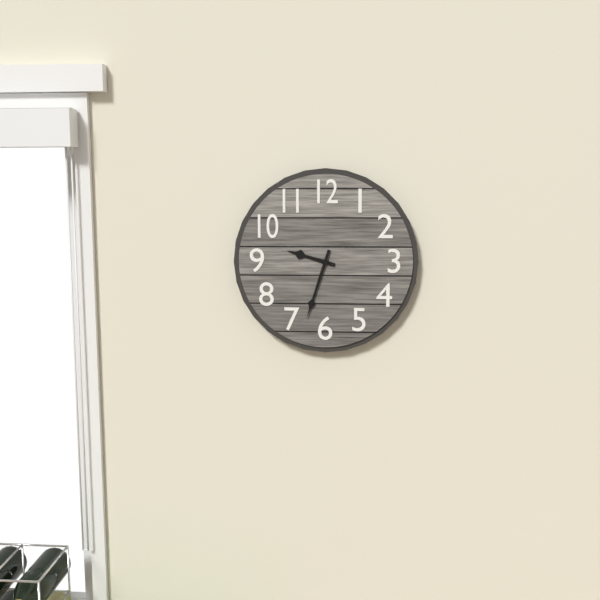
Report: 9 h 33 min
